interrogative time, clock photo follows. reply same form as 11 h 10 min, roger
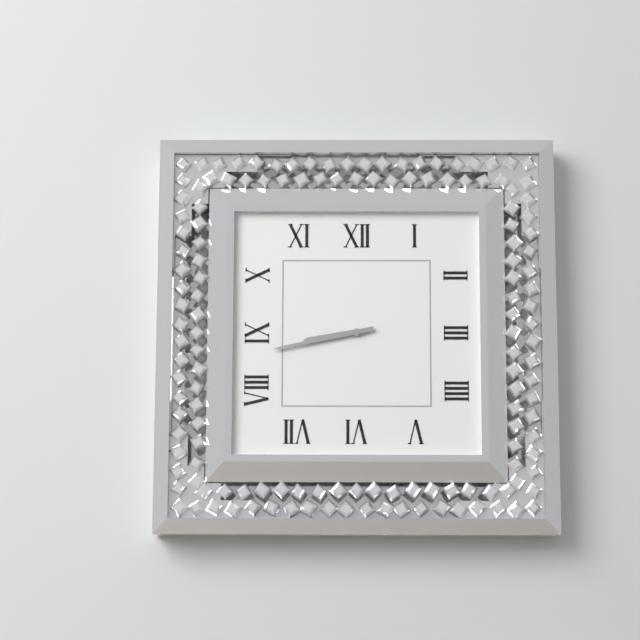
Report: 8 h 43 min
